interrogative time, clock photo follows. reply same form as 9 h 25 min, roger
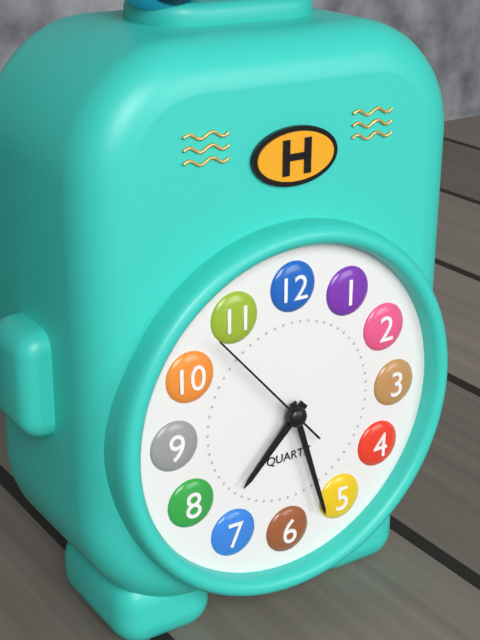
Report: 7 h 27 min
